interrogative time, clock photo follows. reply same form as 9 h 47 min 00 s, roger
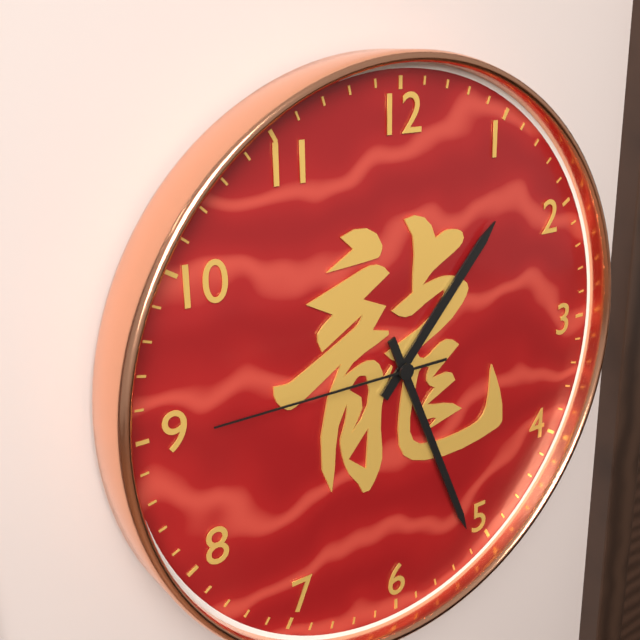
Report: 1 h 26 min 45 s
